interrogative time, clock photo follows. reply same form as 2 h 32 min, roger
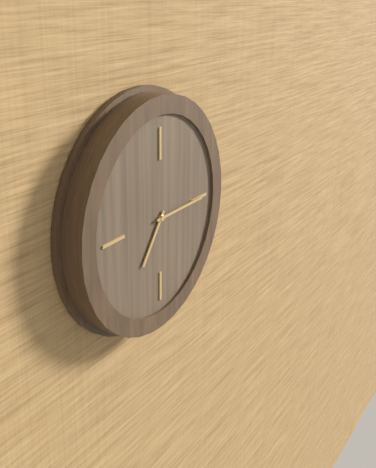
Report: 7 h 15 min
